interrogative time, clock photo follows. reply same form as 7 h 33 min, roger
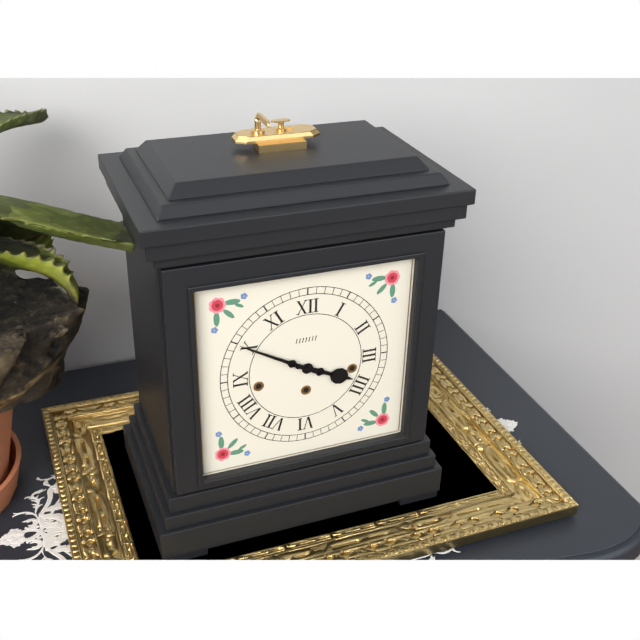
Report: 3 h 50 min
